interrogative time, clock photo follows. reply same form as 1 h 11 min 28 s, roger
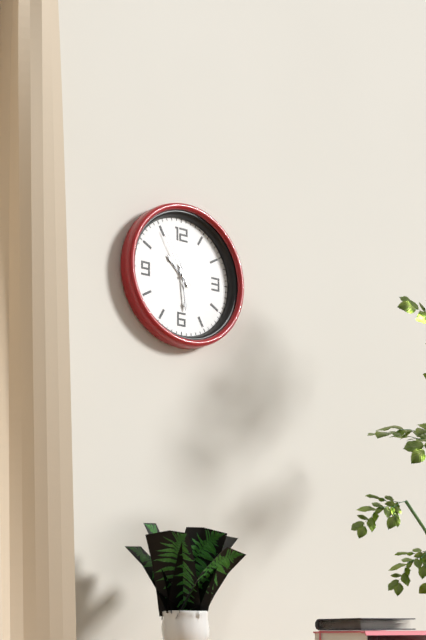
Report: 10 h 29 min 55 s
